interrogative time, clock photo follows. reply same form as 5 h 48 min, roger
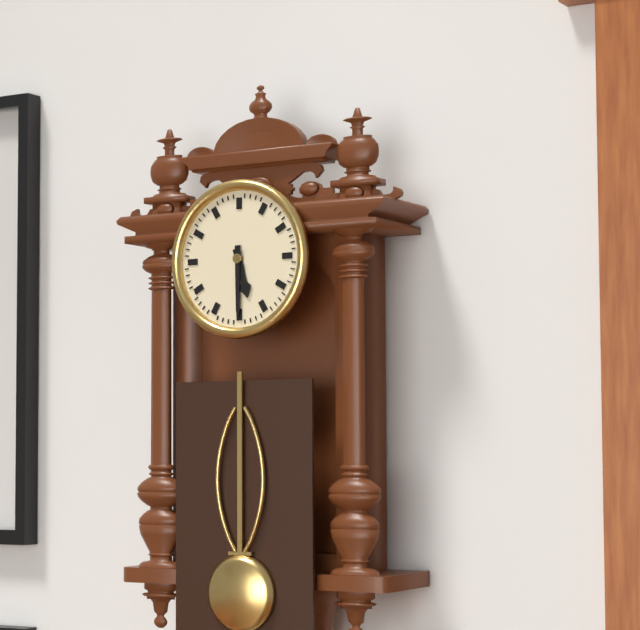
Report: 5 h 30 min
